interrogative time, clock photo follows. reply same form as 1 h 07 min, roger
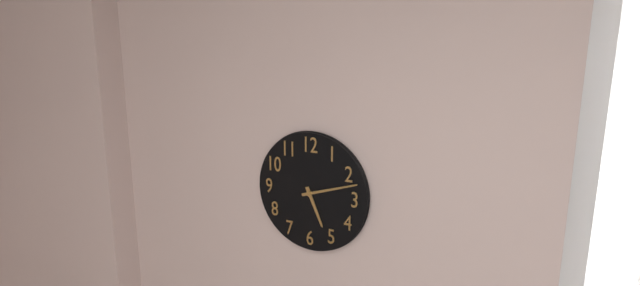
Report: 5 h 12 min
